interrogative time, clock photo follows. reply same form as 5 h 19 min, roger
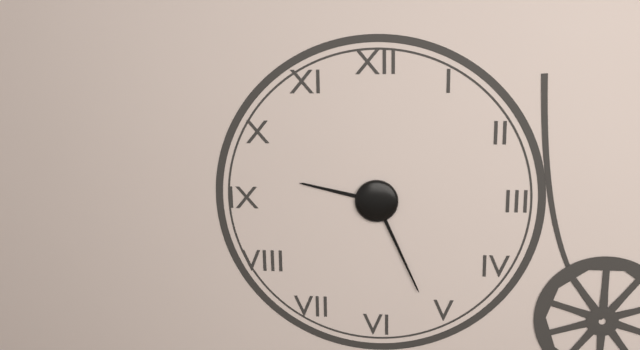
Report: 9 h 26 min
